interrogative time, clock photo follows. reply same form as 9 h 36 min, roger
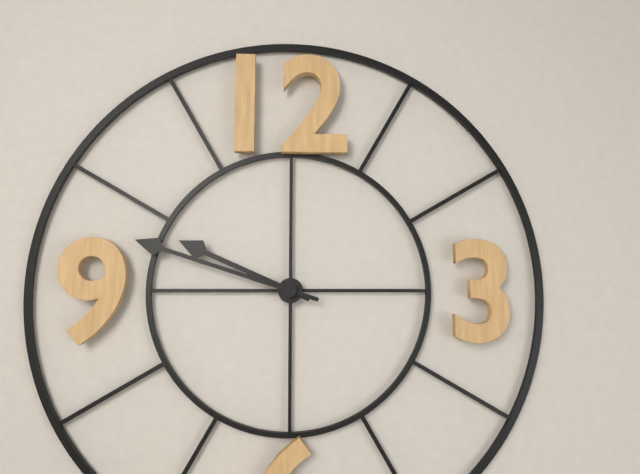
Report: 9 h 48 min
